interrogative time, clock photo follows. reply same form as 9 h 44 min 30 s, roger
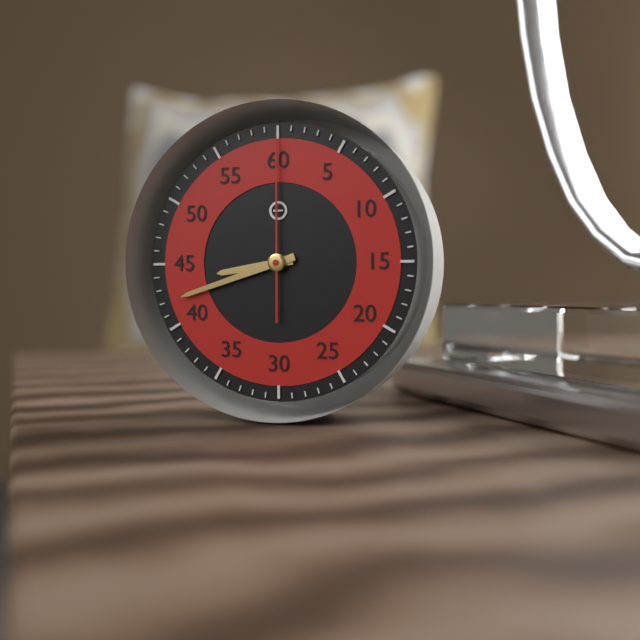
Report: 8 h 42 min 00 s
